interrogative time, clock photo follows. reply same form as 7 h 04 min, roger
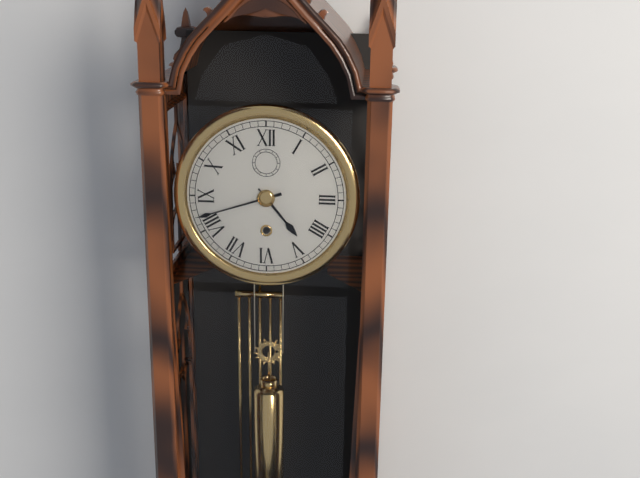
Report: 4 h 42 min
